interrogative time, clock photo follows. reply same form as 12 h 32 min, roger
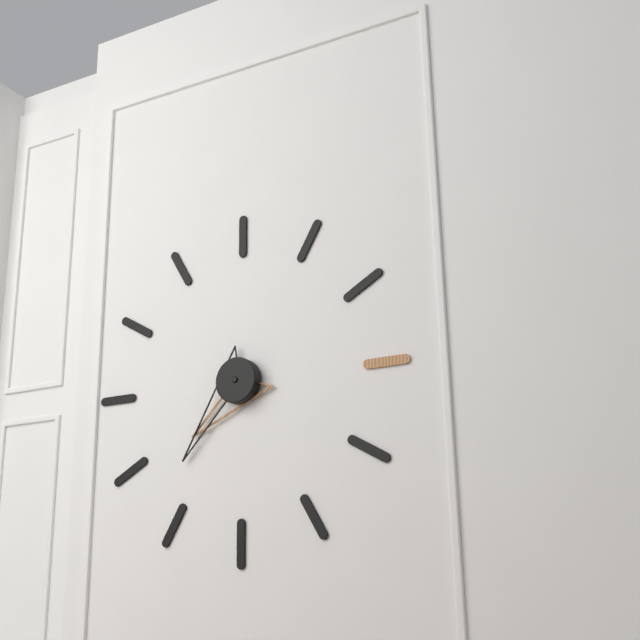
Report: 7 h 37 min
